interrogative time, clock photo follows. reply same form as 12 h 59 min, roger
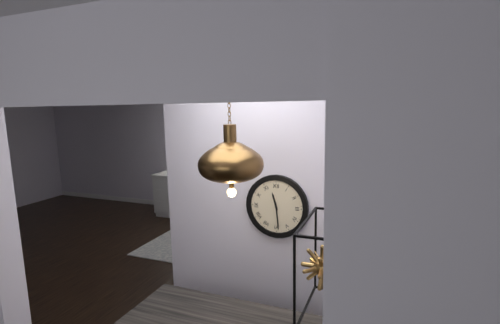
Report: 11 h 29 min
